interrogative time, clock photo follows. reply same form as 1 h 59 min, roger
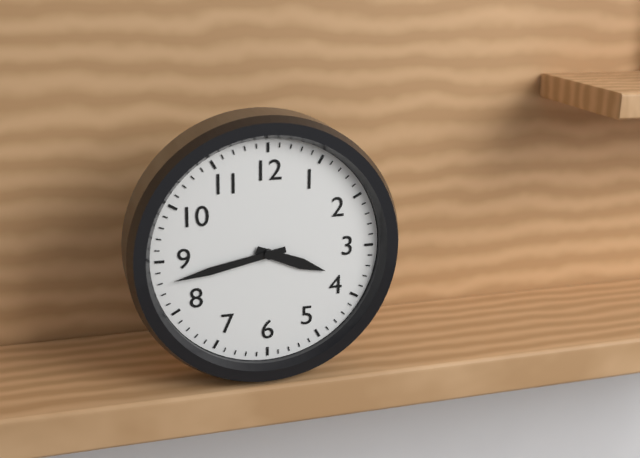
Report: 3 h 43 min
